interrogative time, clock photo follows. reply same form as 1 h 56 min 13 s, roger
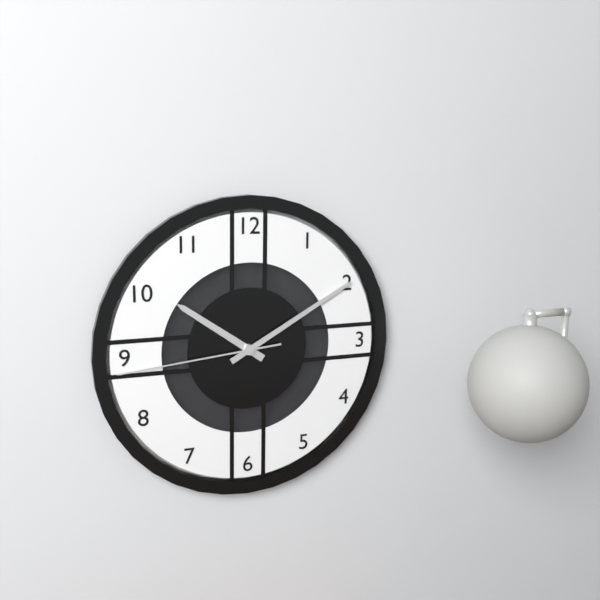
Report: 10 h 10 min 44 s
